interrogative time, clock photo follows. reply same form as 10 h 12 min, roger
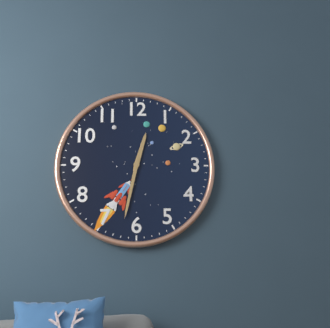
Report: 12 h 32 min
